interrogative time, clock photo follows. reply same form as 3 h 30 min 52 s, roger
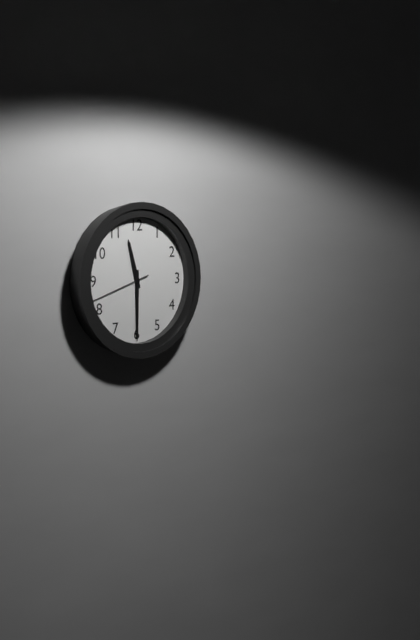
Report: 11 h 30 min 42 s
